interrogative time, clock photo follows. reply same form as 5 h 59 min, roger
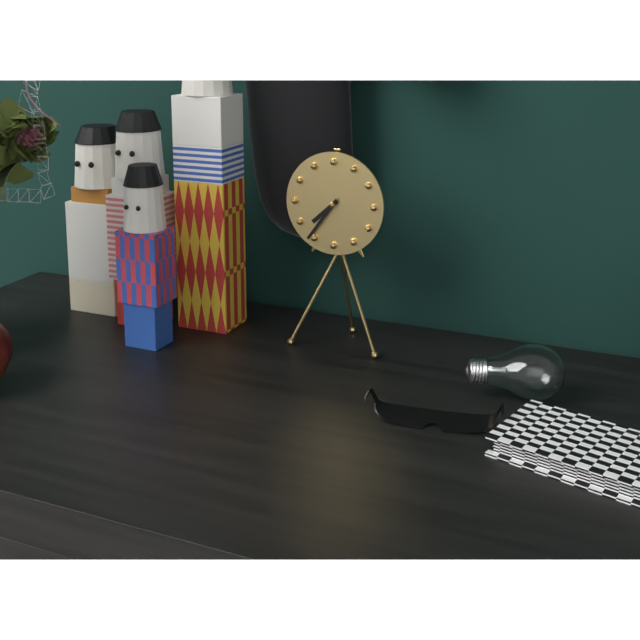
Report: 7 h 36 min
